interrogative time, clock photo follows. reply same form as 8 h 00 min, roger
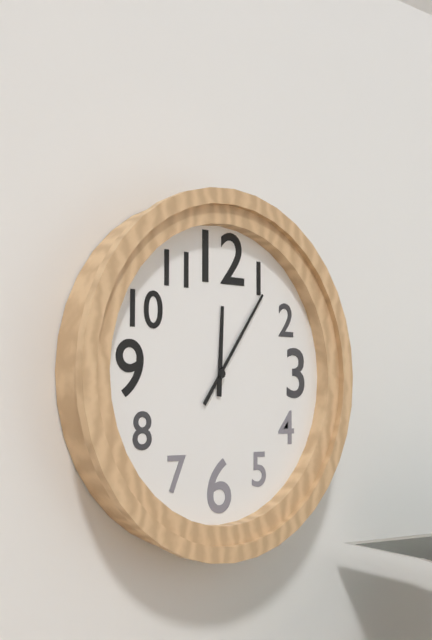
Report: 12 h 06 min
